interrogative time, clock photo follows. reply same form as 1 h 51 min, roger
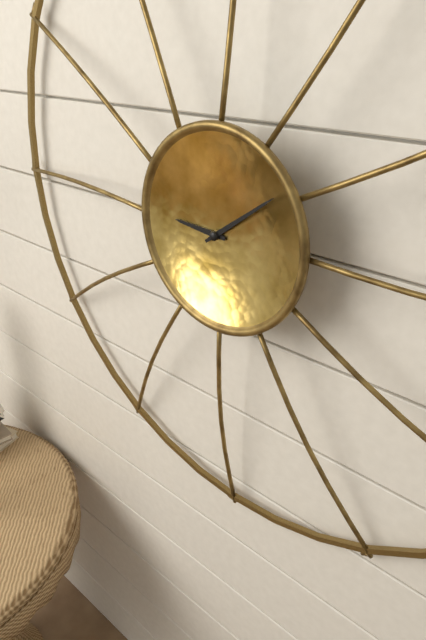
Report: 9 h 09 min
